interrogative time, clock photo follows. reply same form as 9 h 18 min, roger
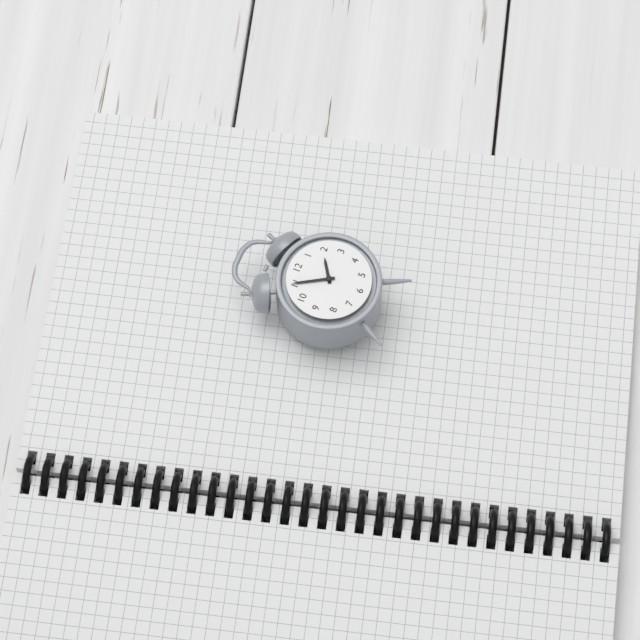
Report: 1 h 55 min
